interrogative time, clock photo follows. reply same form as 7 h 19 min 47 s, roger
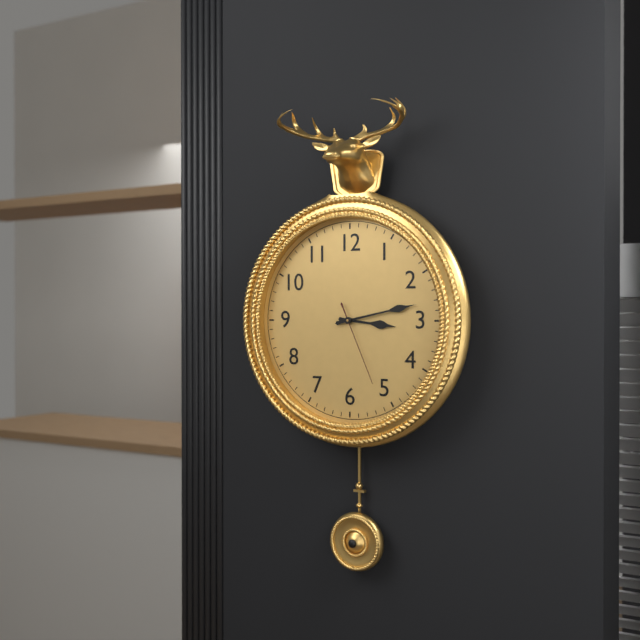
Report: 3 h 13 min 26 s
